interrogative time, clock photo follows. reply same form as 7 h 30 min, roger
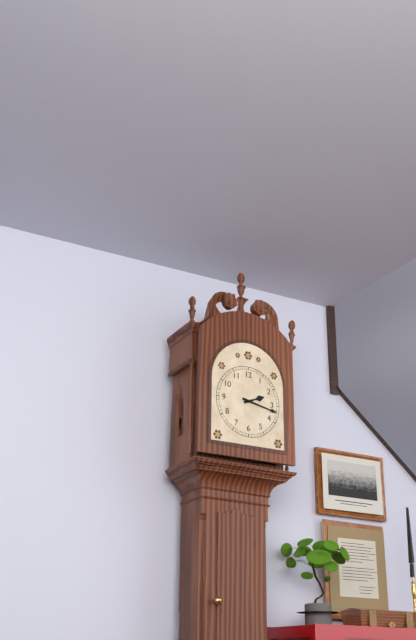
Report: 2 h 17 min
